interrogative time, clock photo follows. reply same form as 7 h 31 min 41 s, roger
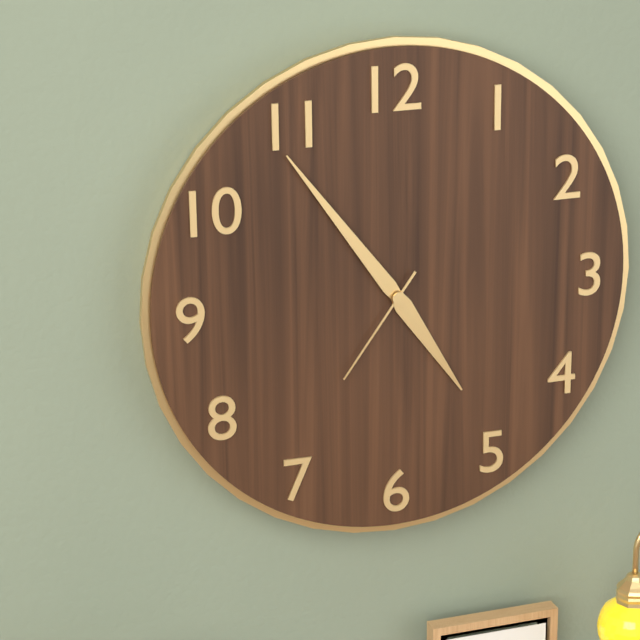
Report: 4 h 54 min 36 s
